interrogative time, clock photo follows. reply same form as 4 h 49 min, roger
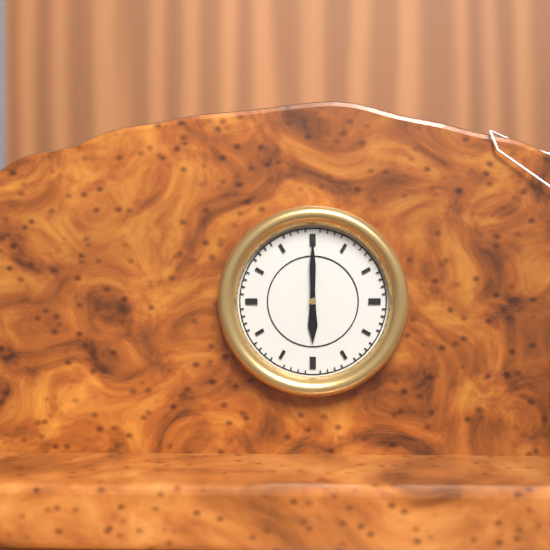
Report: 6 h 00 min
